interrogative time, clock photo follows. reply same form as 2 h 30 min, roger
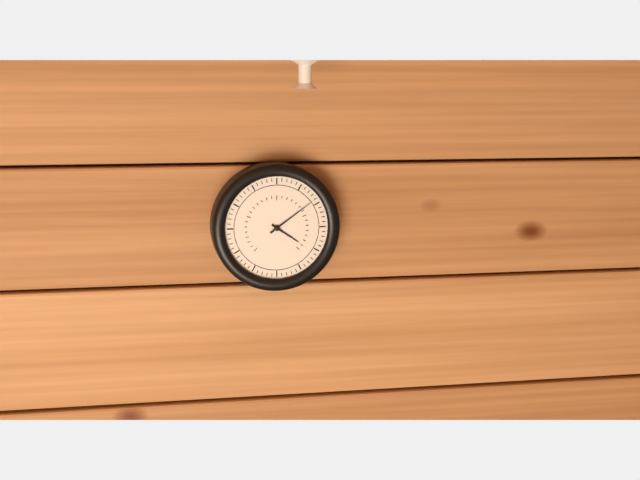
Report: 4 h 09 min
